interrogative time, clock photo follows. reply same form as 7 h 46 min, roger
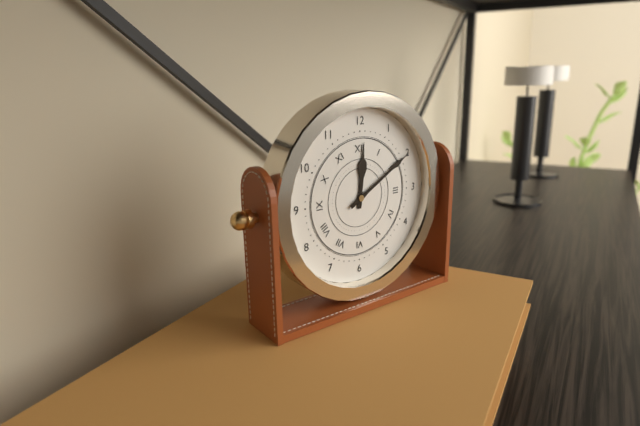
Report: 12 h 10 min
